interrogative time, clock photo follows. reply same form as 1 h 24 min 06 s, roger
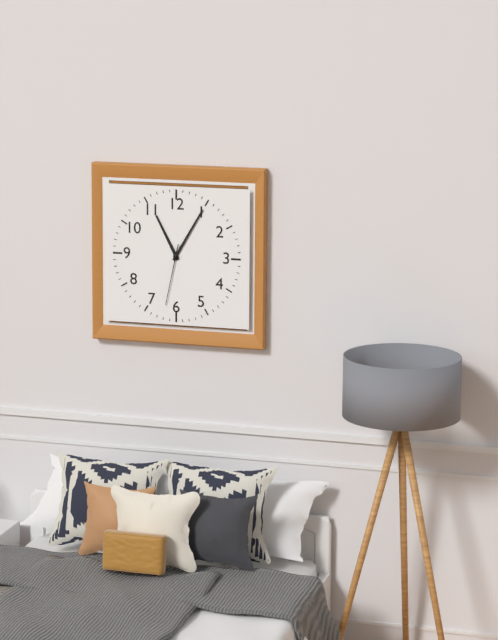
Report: 11 h 05 min 32 s
